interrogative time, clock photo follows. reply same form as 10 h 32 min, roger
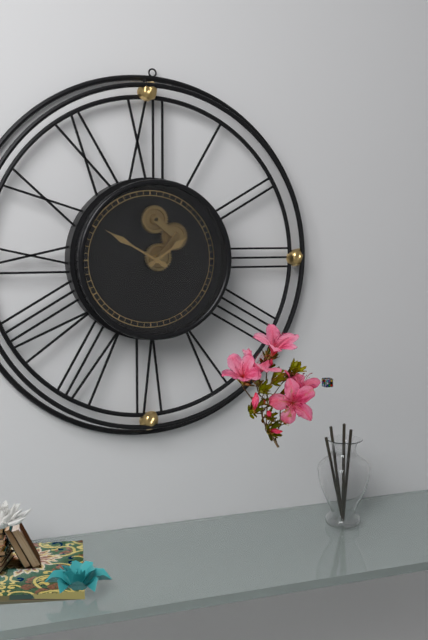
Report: 1 h 50 min
